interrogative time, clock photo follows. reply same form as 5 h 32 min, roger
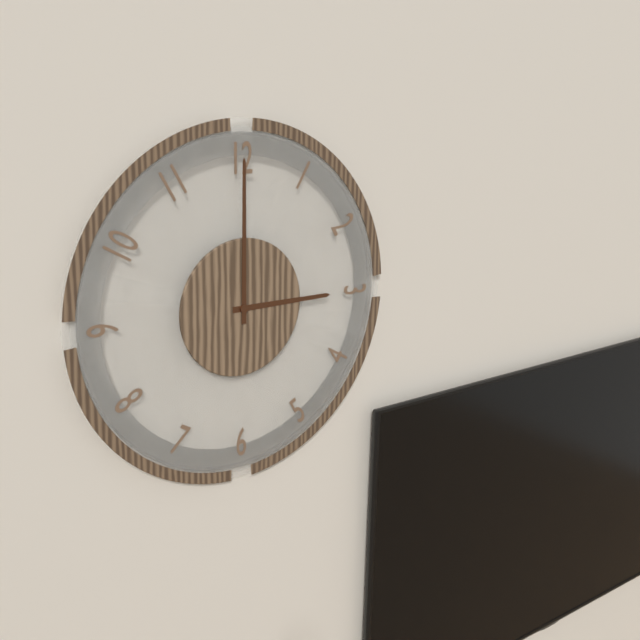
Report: 3 h 00 min
